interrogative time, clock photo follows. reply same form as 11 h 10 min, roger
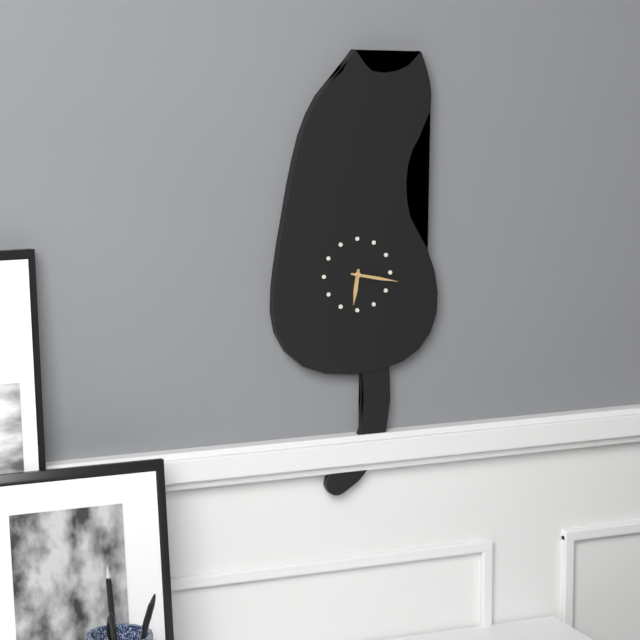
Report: 6 h 17 min
